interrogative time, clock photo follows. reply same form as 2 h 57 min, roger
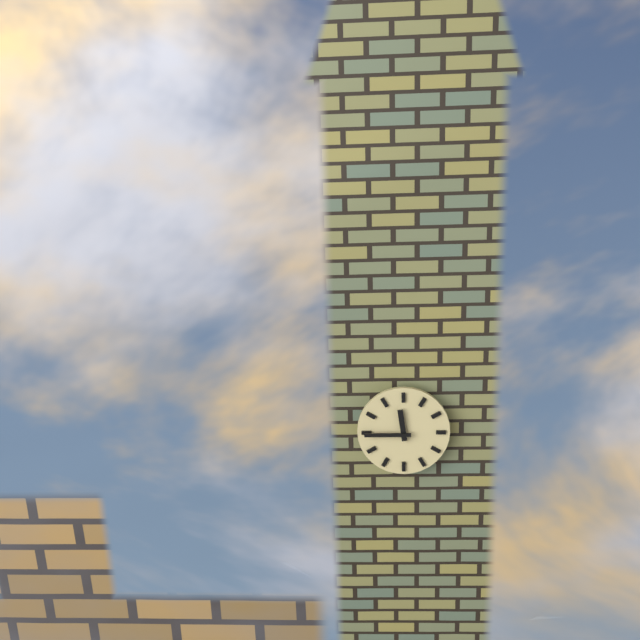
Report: 11 h 45 min
